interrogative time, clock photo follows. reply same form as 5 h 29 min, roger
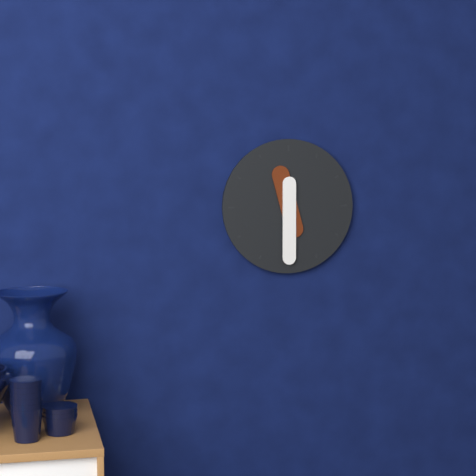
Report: 11 h 30 min
